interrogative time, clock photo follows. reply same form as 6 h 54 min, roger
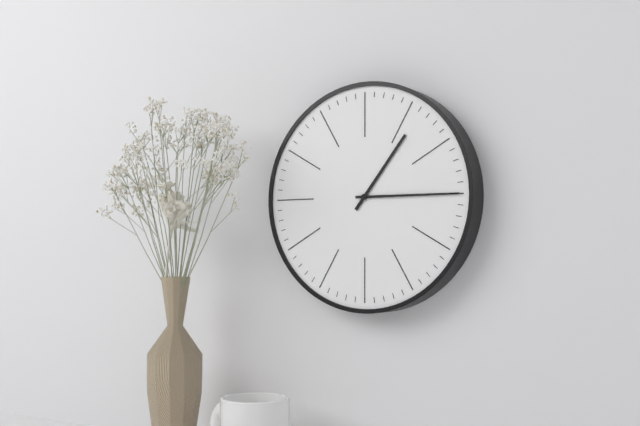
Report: 1 h 15 min
